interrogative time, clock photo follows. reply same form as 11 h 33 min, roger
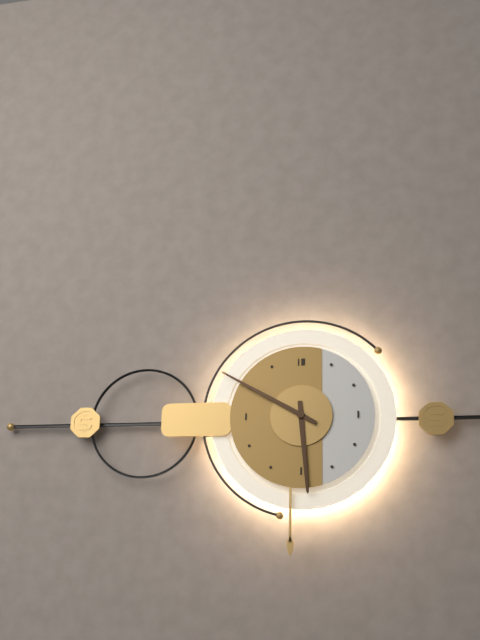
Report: 5 h 50 min
